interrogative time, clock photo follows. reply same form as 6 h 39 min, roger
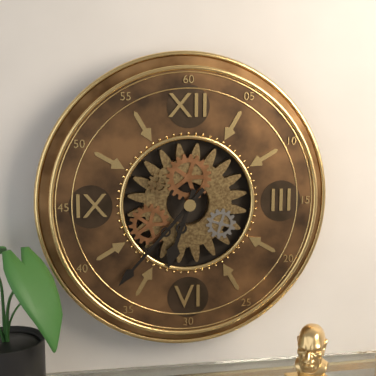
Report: 6 h 37 min
